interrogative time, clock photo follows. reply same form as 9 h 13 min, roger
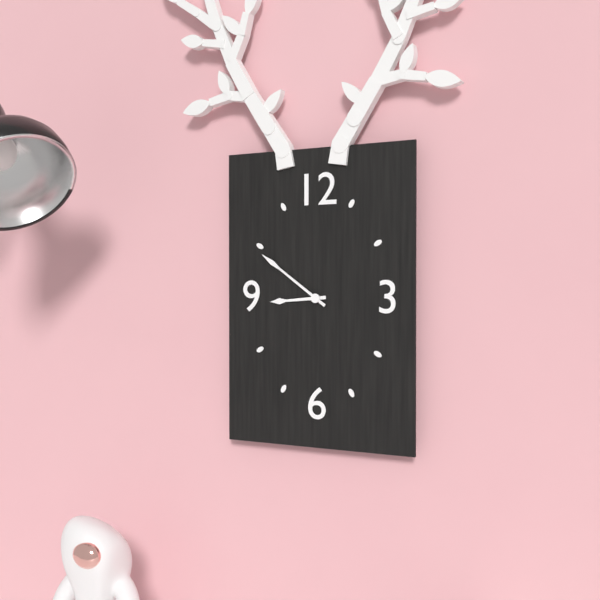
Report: 8 h 51 min
